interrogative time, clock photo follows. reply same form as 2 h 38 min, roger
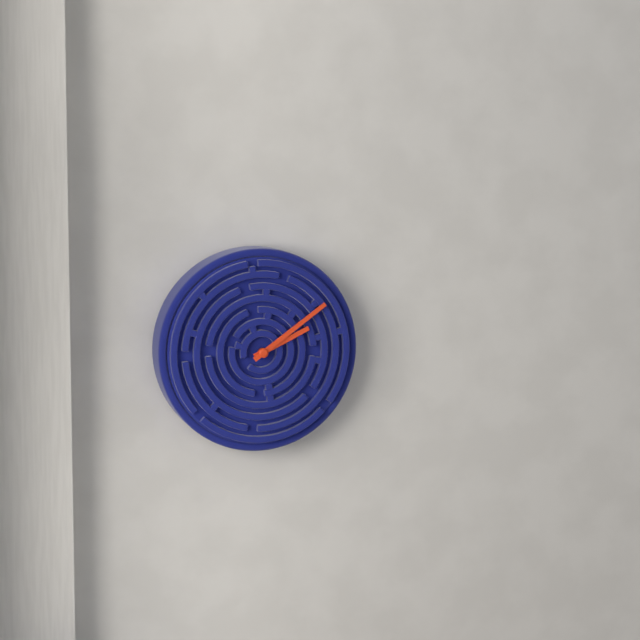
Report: 2 h 09 min
